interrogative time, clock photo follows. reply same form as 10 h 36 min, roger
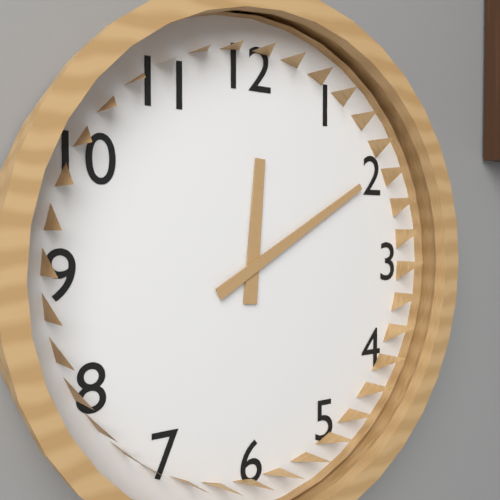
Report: 12 h 10 min
